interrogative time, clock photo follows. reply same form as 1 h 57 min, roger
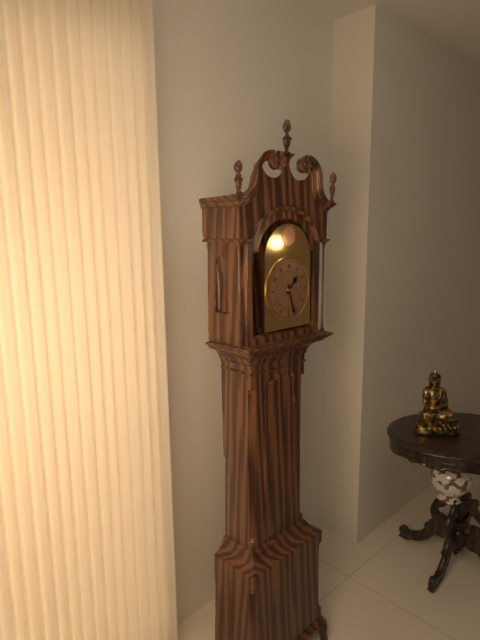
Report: 1 h 27 min
